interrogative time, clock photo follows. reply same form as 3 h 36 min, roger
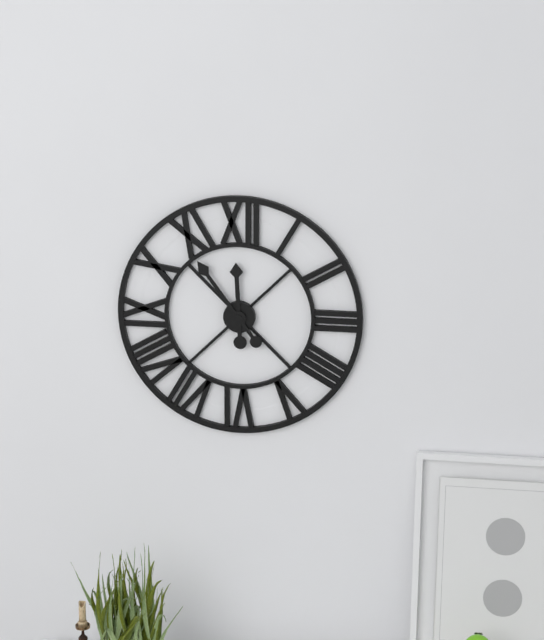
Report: 11 h 54 min
